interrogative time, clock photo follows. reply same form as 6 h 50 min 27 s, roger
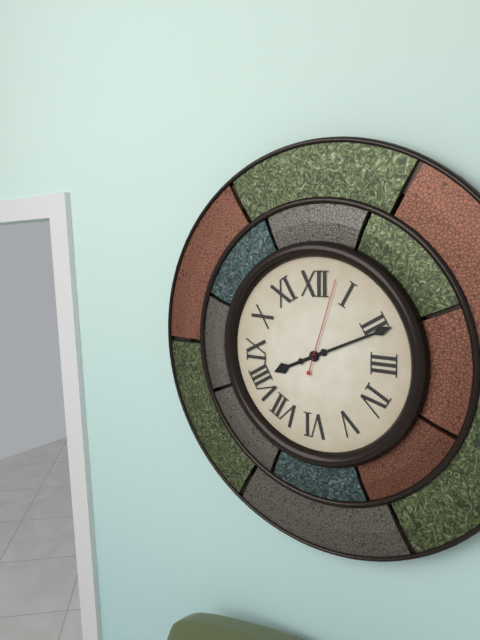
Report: 8 h 11 min 03 s
